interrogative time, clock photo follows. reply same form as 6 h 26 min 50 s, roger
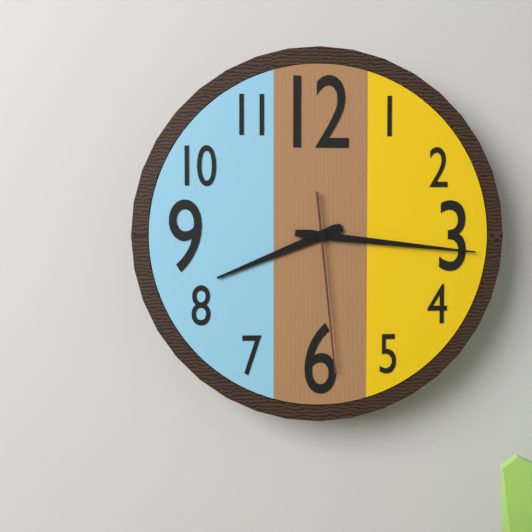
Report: 8 h 16 min 29 s
